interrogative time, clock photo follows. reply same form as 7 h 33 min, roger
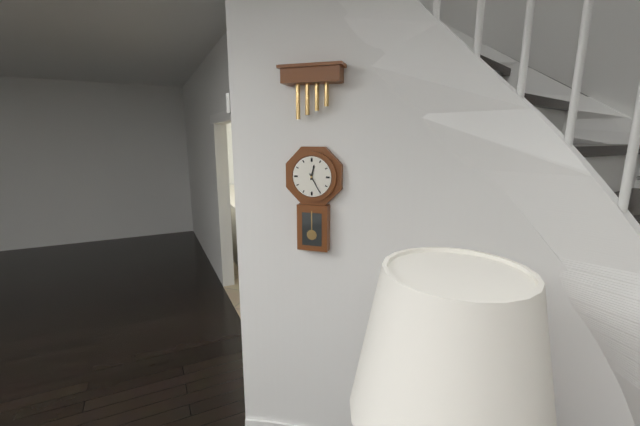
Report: 12 h 25 min
